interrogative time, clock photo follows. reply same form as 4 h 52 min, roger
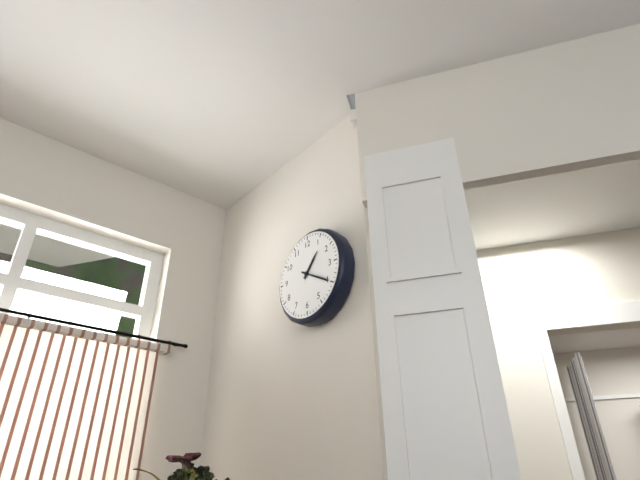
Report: 1 h 20 min
